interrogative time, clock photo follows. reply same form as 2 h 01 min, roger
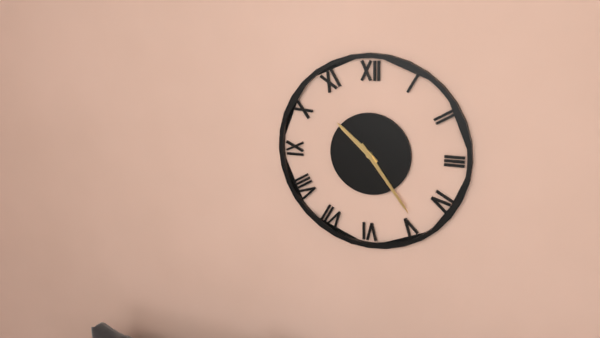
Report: 10 h 24 min
